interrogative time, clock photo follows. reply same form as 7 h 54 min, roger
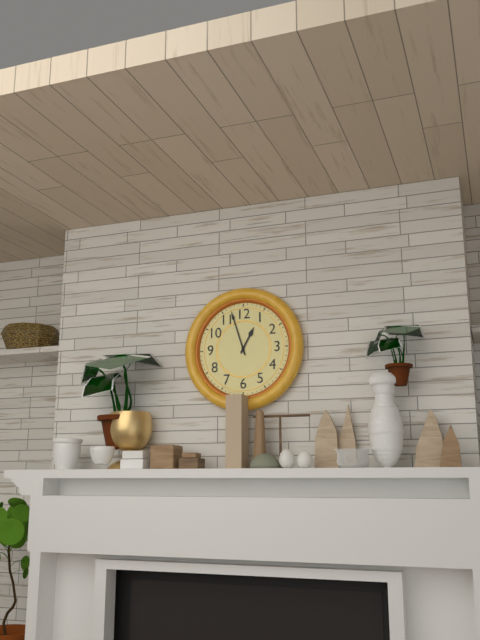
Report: 12 h 57 min
